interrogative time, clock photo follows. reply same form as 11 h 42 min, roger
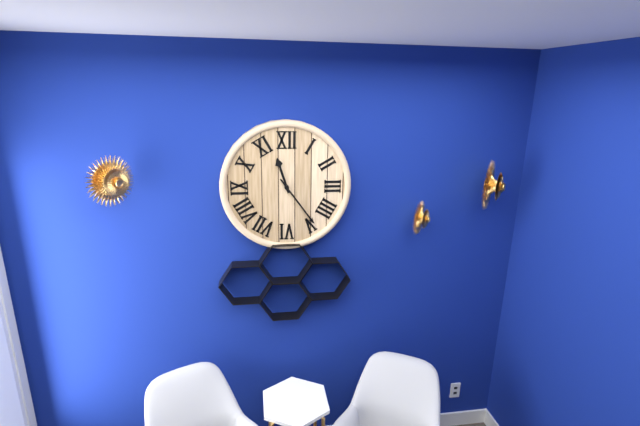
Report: 11 h 24 min
